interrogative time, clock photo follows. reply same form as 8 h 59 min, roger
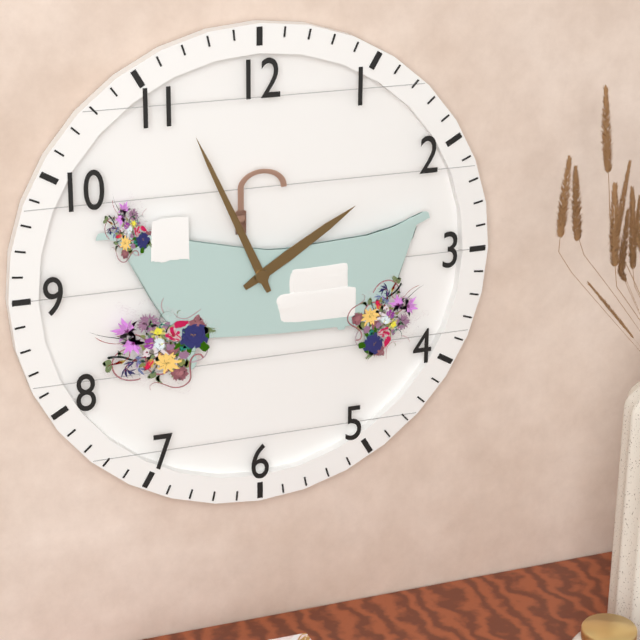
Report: 1 h 56 min
